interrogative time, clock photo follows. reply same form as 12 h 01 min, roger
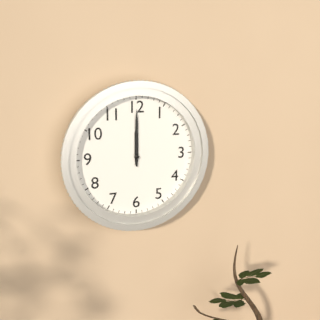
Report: 12 h 00 min
